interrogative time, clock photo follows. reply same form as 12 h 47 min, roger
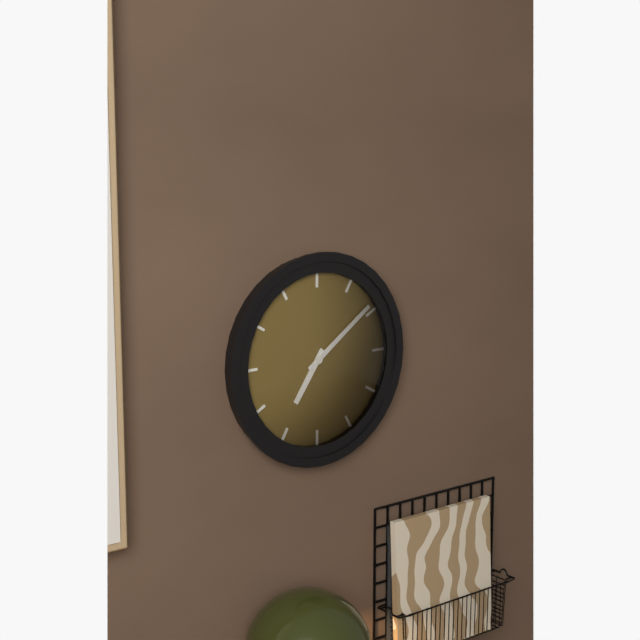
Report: 7 h 09 min
